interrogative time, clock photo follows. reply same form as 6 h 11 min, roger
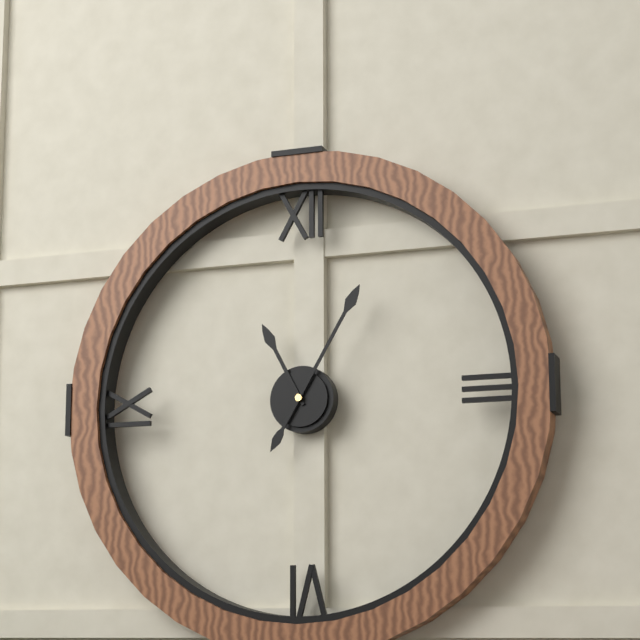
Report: 11 h 05 min
